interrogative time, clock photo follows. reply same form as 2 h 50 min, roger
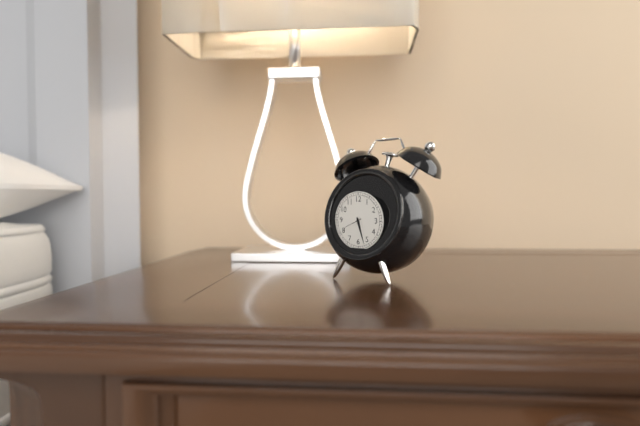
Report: 5 h 27 min
